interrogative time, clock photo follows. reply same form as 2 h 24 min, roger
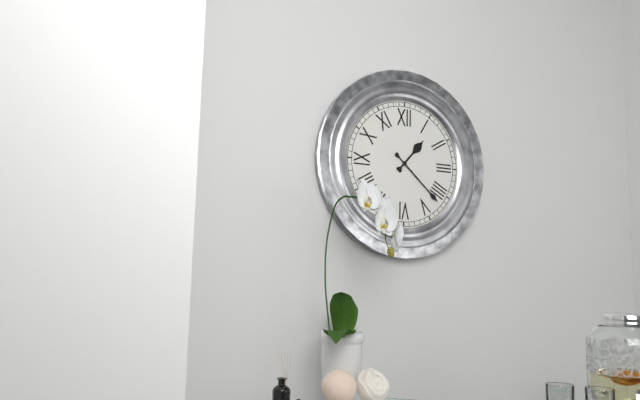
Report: 1 h 22 min
